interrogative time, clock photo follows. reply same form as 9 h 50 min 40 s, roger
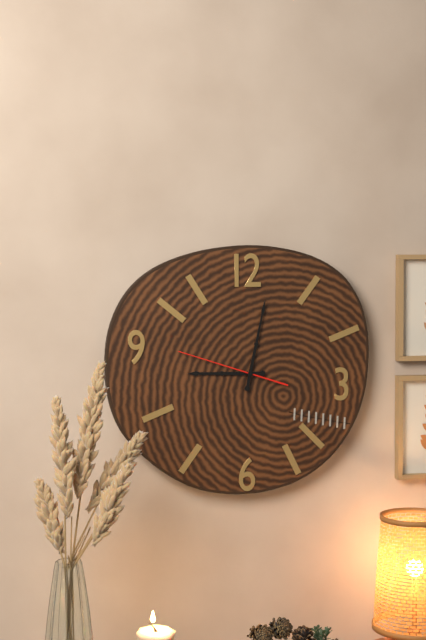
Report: 9 h 02 min 48 s
